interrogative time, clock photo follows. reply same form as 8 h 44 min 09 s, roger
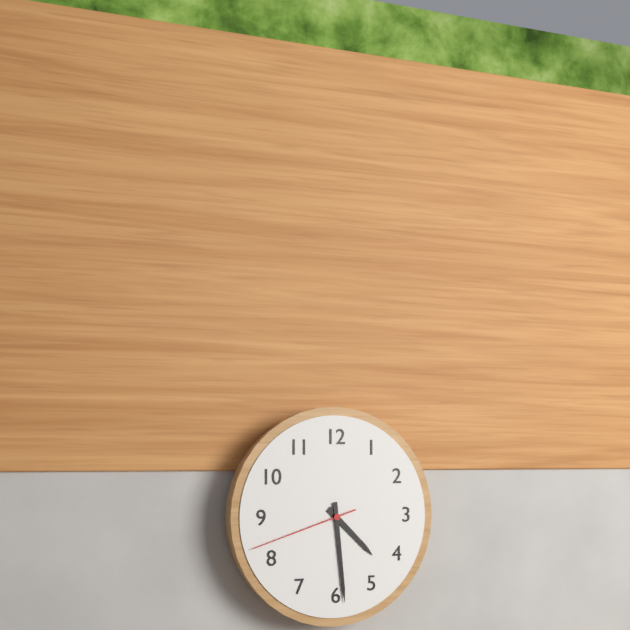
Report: 4 h 29 min 42 s
